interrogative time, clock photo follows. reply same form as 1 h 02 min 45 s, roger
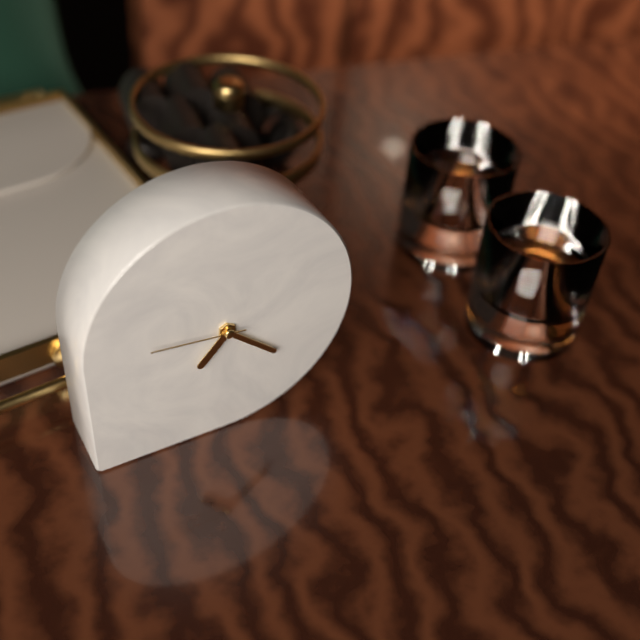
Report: 7 h 22 min 46 s
